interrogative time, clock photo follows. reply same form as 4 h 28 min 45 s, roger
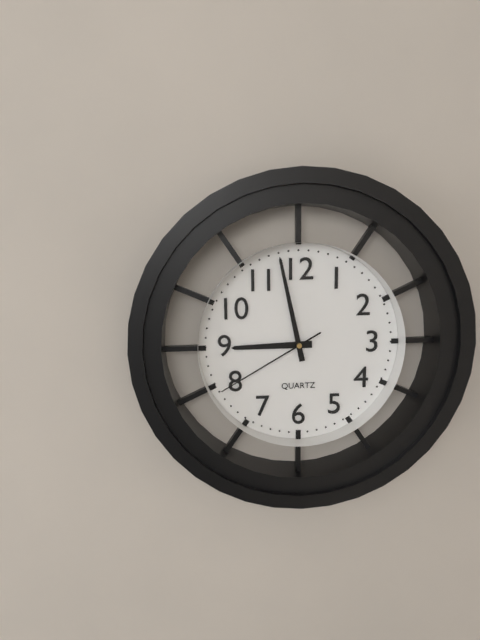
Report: 8 h 58 min 40 s
